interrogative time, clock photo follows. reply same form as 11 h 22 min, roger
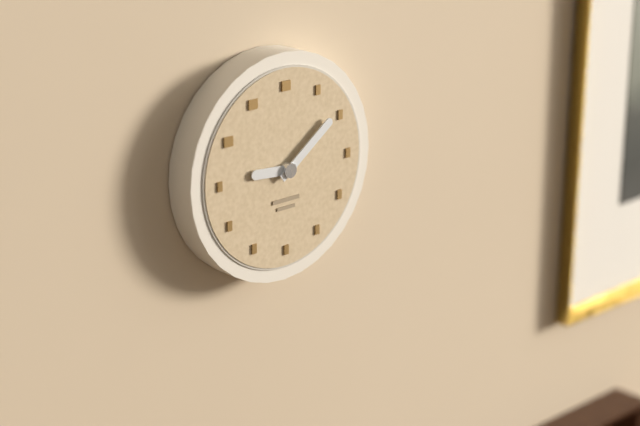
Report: 9 h 09 min
